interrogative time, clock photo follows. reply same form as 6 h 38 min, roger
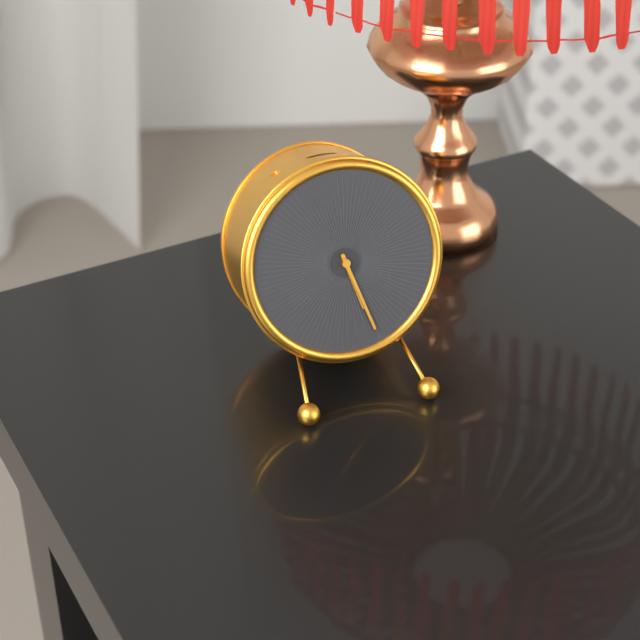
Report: 5 h 27 min
